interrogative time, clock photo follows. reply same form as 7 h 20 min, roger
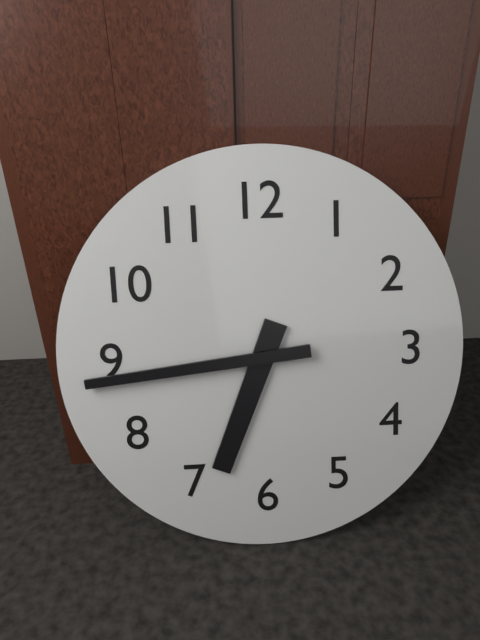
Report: 6 h 44 min
